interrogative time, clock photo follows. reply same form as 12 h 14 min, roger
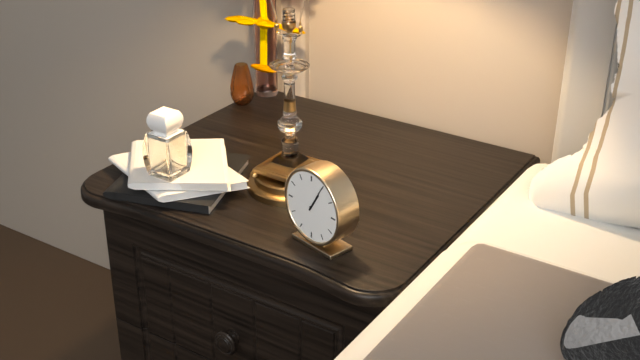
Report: 1 h 05 min
